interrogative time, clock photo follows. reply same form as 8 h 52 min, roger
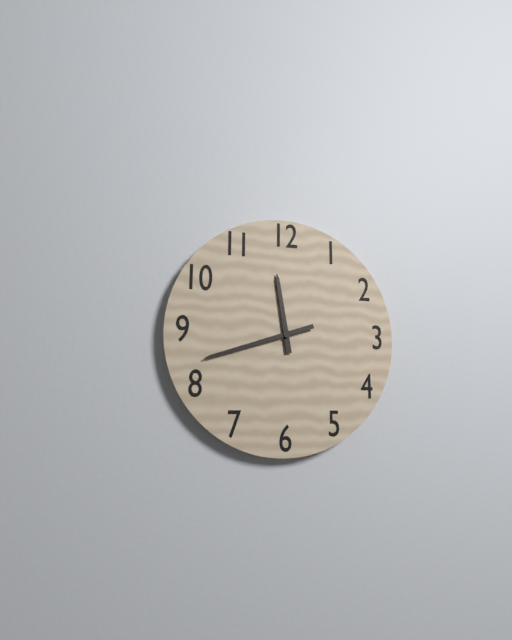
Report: 11 h 42 min
